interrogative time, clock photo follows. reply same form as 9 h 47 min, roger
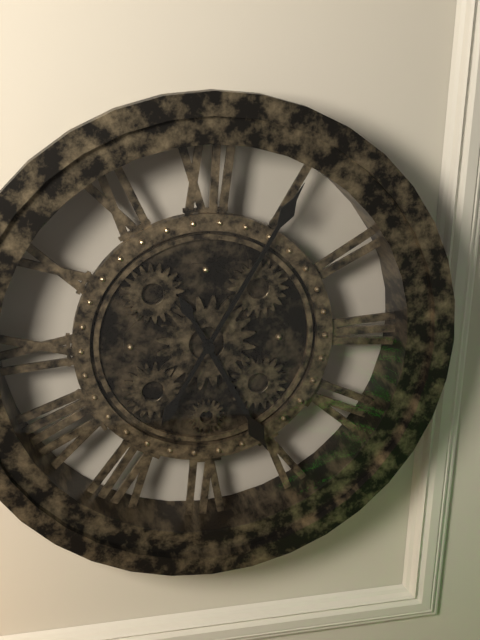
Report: 5 h 05 min
